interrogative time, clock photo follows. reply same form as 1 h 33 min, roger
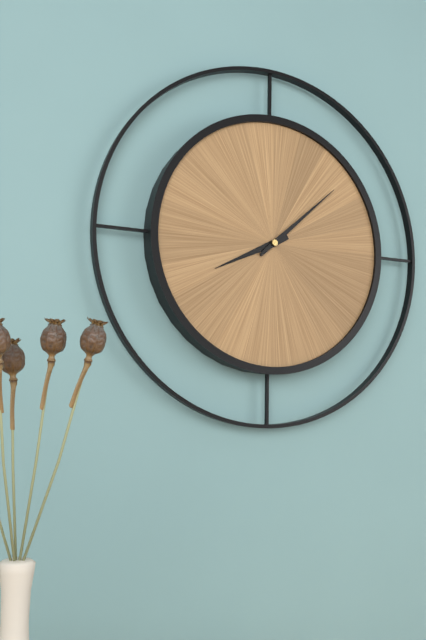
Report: 8 h 08 min
